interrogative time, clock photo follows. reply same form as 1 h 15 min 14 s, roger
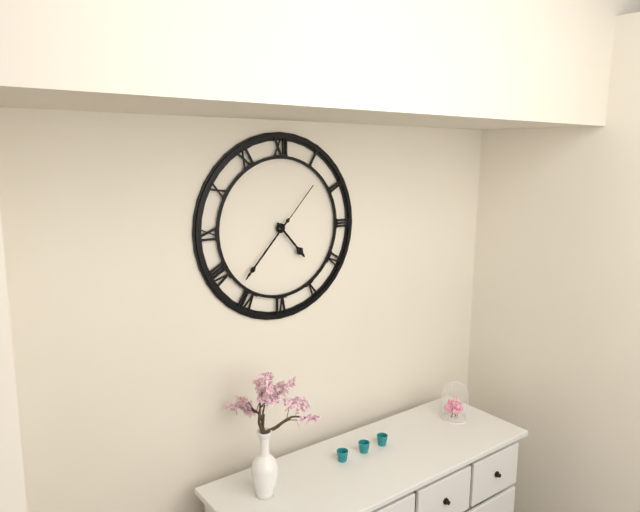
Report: 4 h 37 min 37 s
